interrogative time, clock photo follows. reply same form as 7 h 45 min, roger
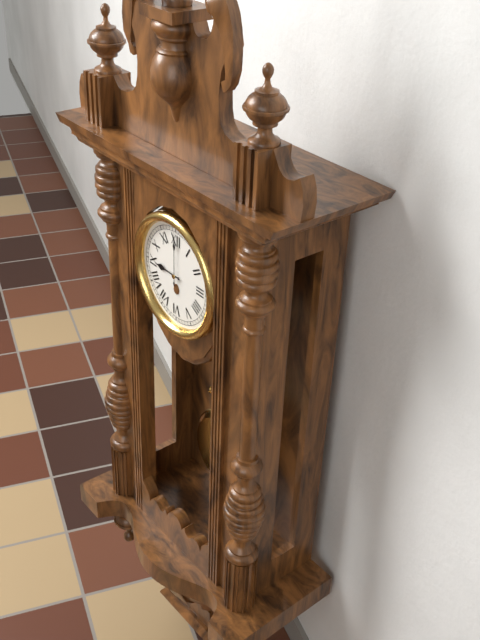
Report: 9 h 00 min
